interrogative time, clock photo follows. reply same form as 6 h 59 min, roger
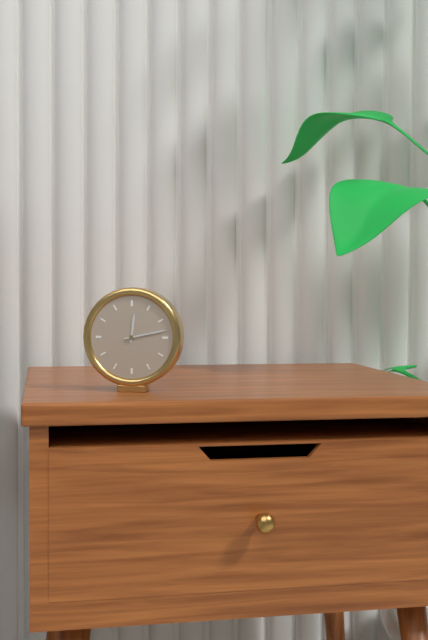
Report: 12 h 13 min
